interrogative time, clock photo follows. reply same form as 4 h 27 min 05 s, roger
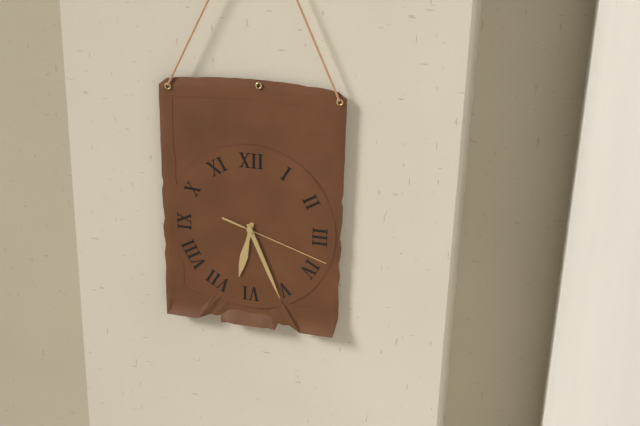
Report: 6 h 26 min 18 s
